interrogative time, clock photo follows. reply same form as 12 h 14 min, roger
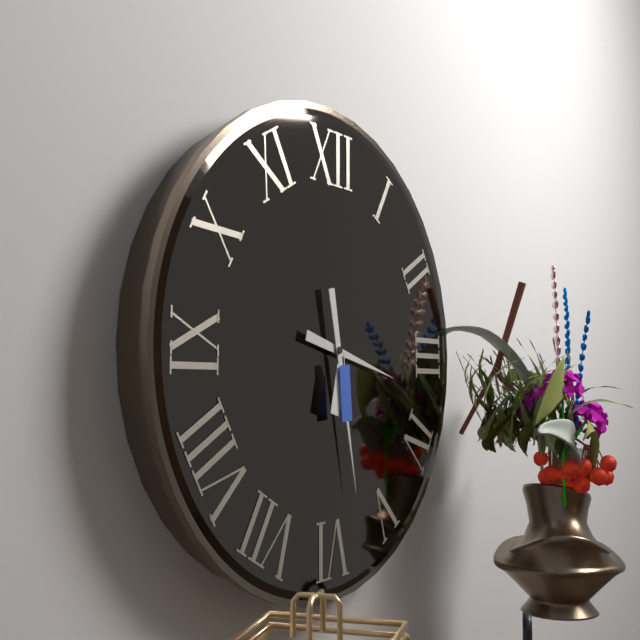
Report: 3 h 28 min
